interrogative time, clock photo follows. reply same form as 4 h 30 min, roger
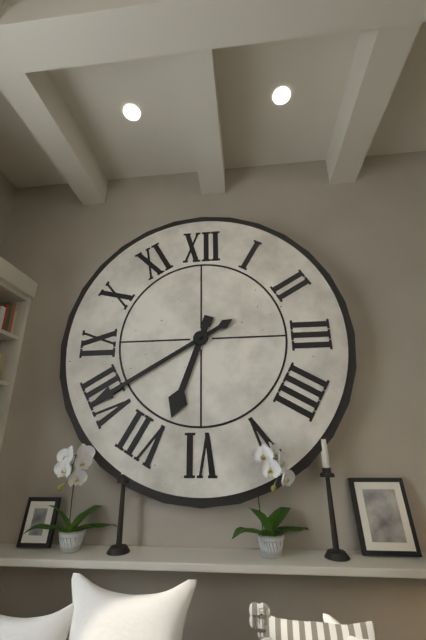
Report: 6 h 40 min
